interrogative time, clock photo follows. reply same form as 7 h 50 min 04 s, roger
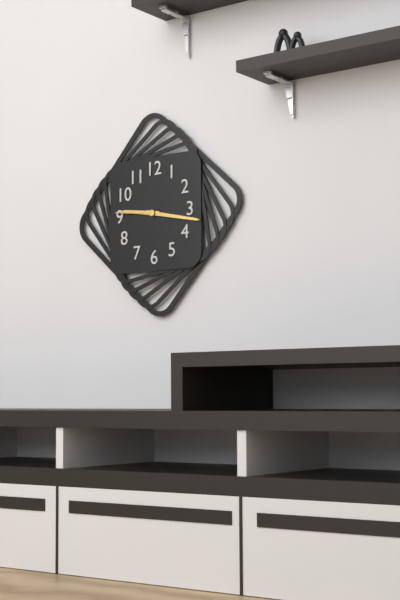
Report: 9 h 17 min 46 s
